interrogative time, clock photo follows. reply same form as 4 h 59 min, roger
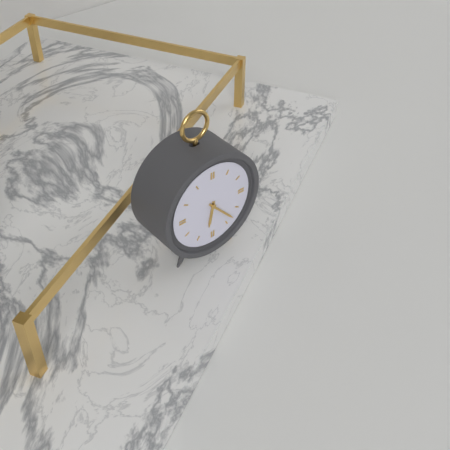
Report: 6 h 23 min
